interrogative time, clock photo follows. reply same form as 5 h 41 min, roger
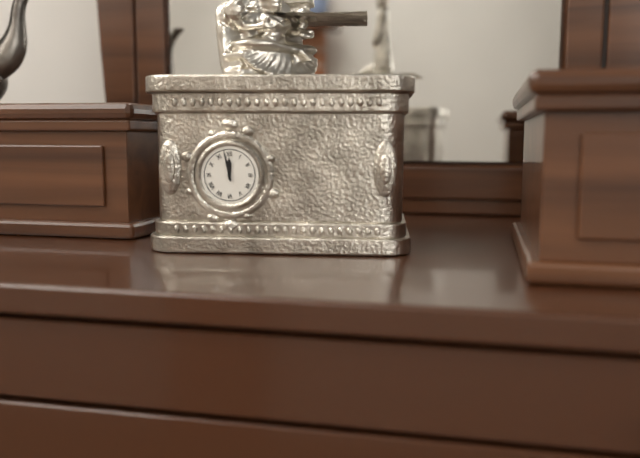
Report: 11 h 58 min
